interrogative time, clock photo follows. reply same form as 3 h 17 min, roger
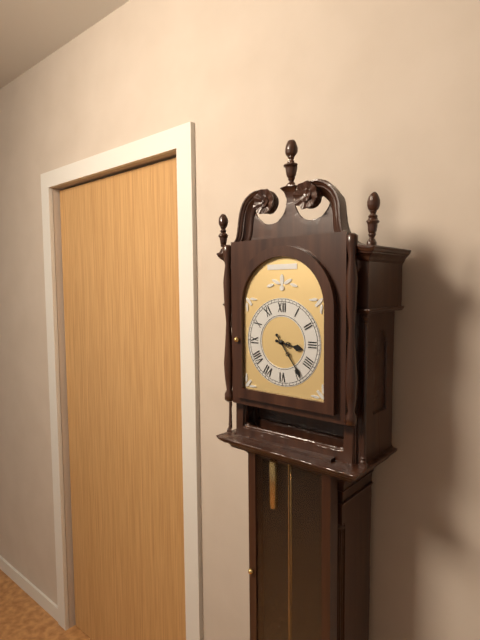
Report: 3 h 24 min
